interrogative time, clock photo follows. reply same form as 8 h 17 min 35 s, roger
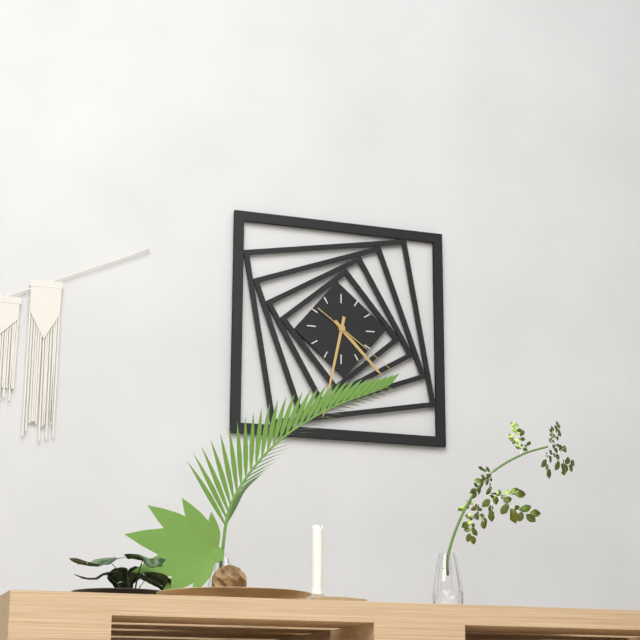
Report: 4 h 32 min 21 s
